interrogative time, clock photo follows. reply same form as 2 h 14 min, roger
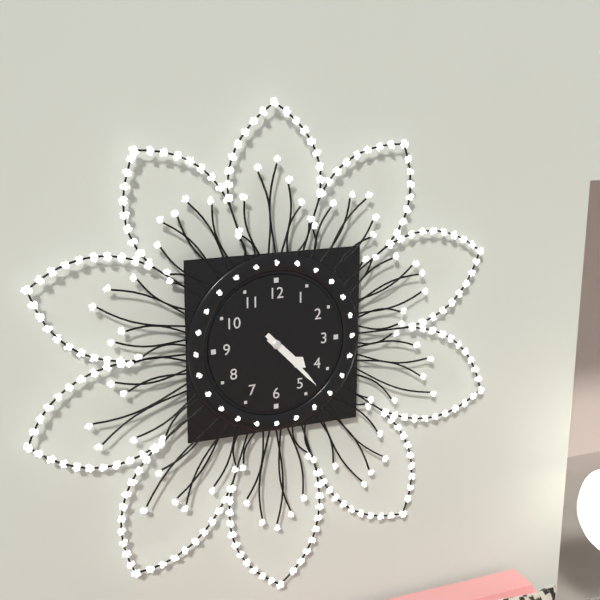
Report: 4 h 23 min
